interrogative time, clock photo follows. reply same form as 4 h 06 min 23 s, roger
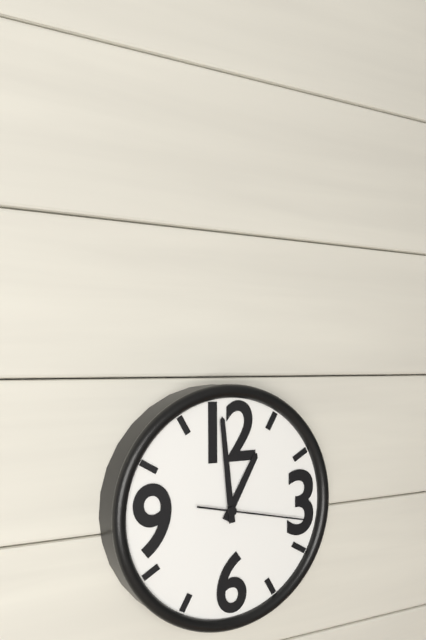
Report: 12 h 59 min 17 s
